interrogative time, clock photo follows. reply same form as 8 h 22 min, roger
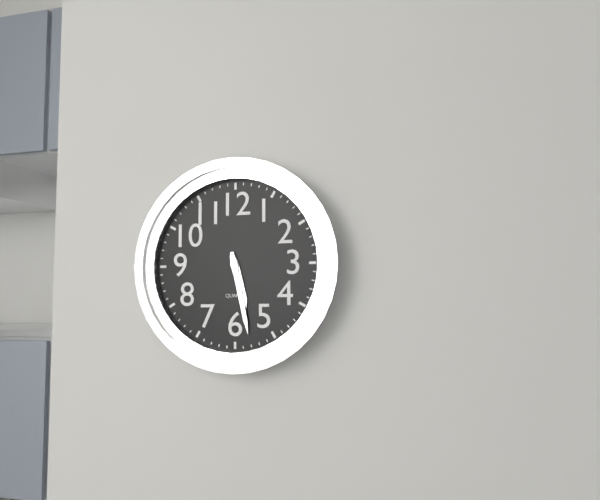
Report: 5 h 28 min
